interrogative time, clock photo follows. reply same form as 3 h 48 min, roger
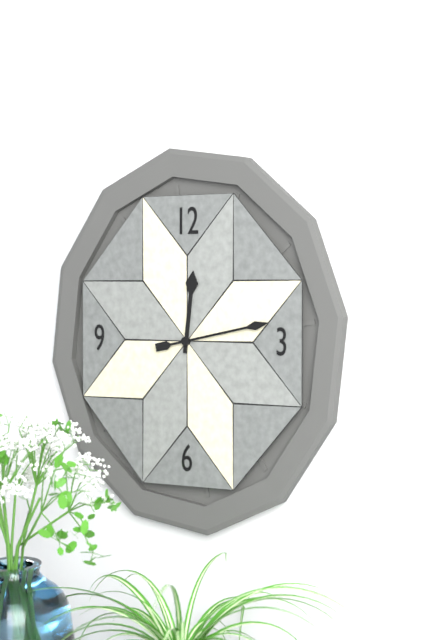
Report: 12 h 13 min
